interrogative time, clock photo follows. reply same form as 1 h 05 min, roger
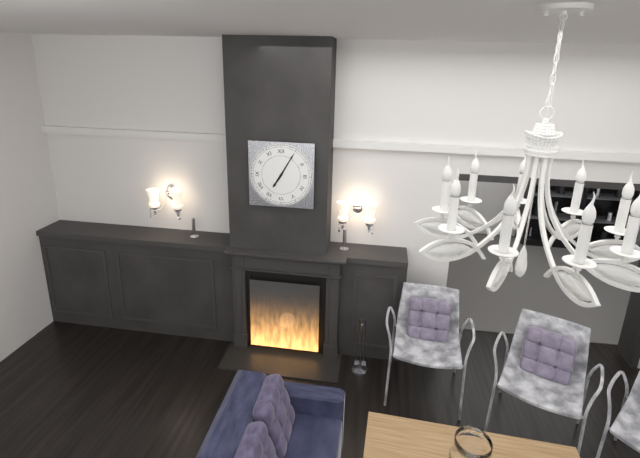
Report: 7 h 05 min
